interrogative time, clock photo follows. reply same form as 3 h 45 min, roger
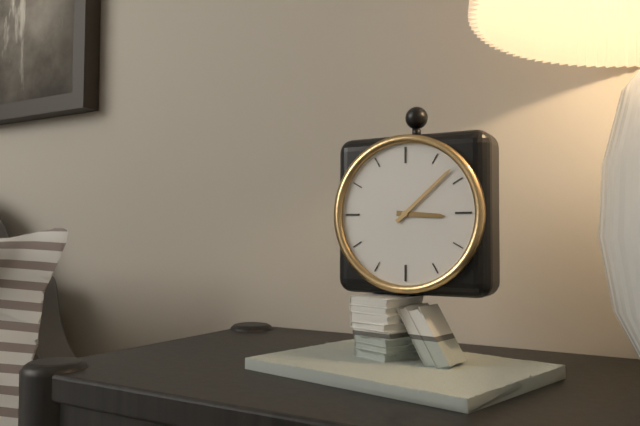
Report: 3 h 08 min
